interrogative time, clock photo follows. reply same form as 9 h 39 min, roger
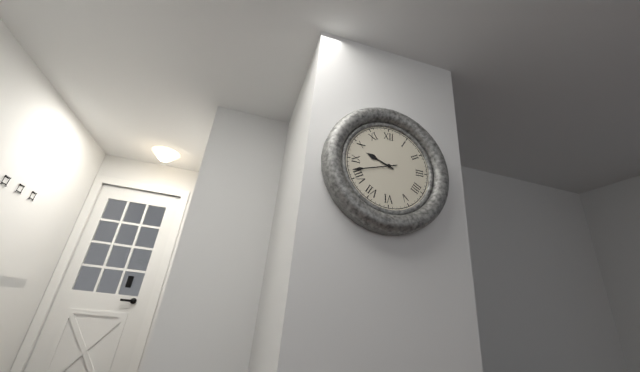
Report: 9 h 42 min
